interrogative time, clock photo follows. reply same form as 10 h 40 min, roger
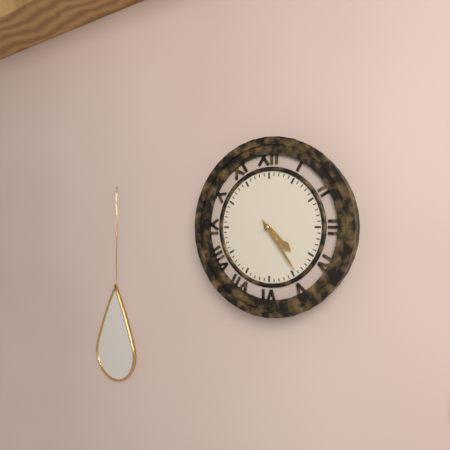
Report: 4 h 24 min
